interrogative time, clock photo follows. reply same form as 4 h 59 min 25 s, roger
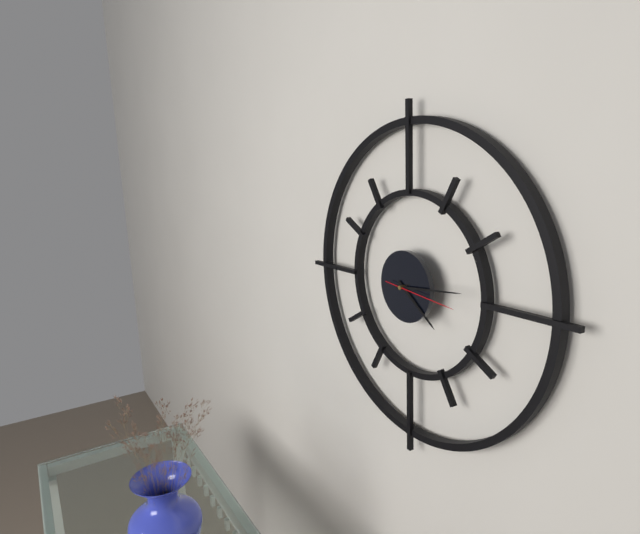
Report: 4 h 14 min 16 s
